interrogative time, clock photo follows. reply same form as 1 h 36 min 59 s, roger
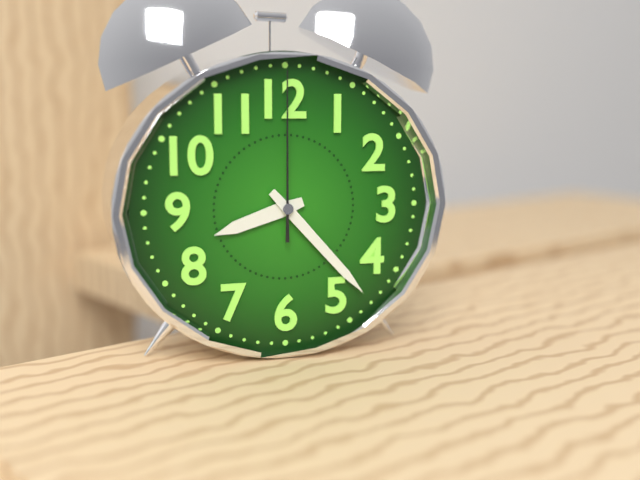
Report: 8 h 23 min 00 s
